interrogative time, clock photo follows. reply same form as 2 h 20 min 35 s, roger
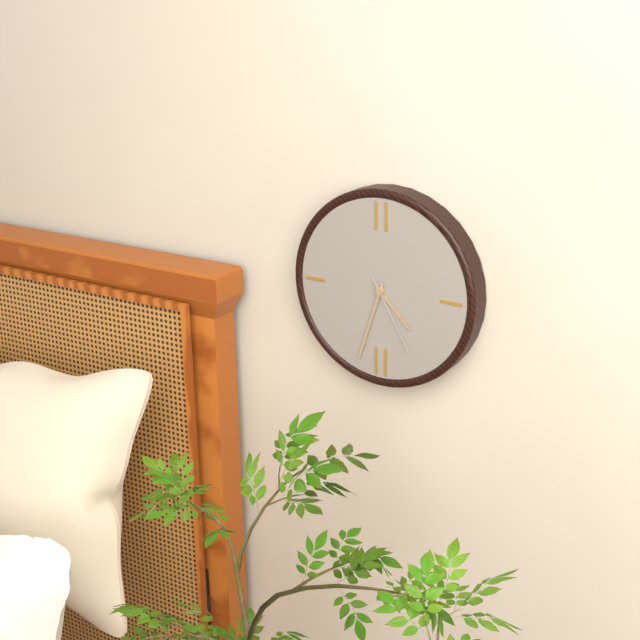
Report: 4 h 33 min 25 s
